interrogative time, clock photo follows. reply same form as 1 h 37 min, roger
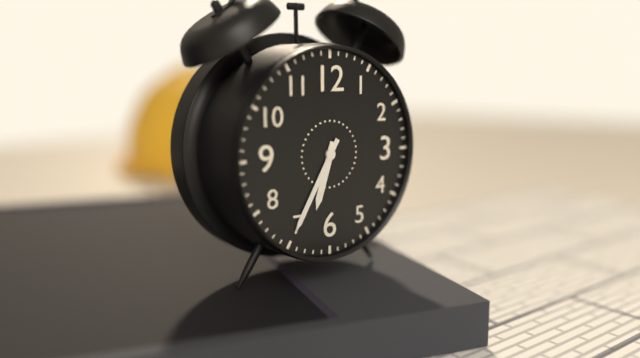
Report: 6 h 35 min
